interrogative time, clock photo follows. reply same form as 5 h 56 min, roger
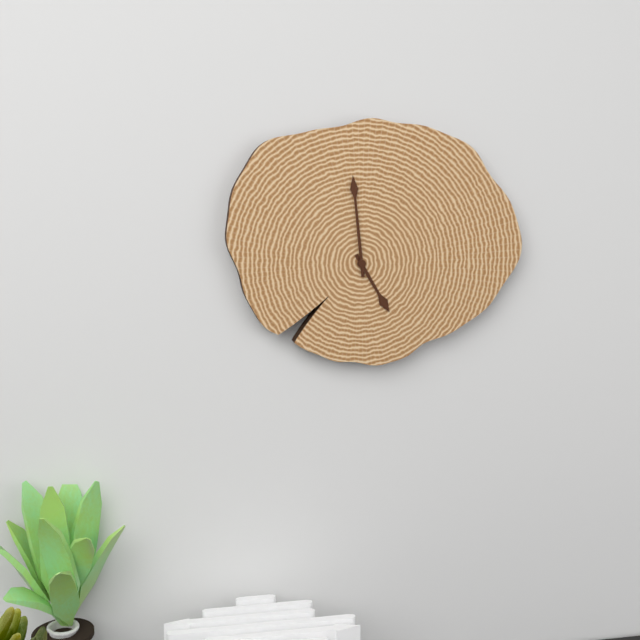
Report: 4 h 59 min
